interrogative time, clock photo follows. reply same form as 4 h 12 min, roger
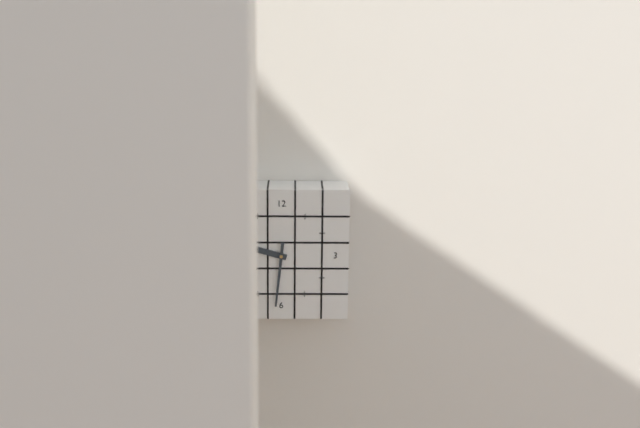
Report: 9 h 31 min
